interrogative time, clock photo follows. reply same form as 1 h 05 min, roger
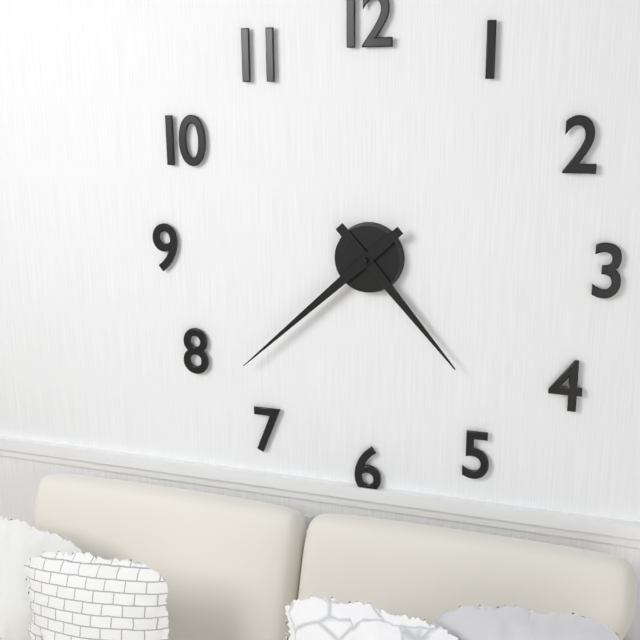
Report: 4 h 38 min
